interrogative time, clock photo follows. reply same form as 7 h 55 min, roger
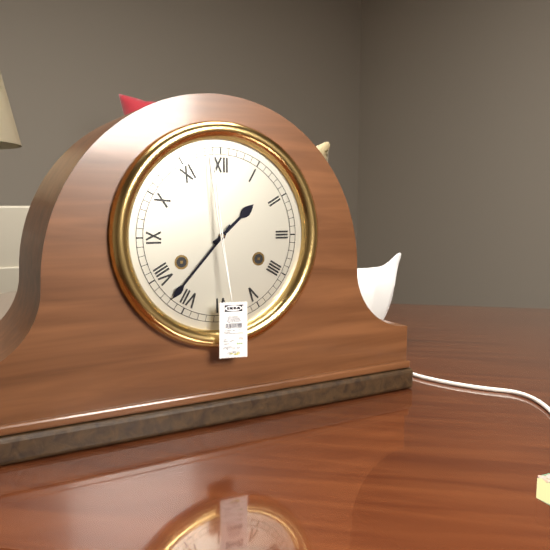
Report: 1 h 37 min
